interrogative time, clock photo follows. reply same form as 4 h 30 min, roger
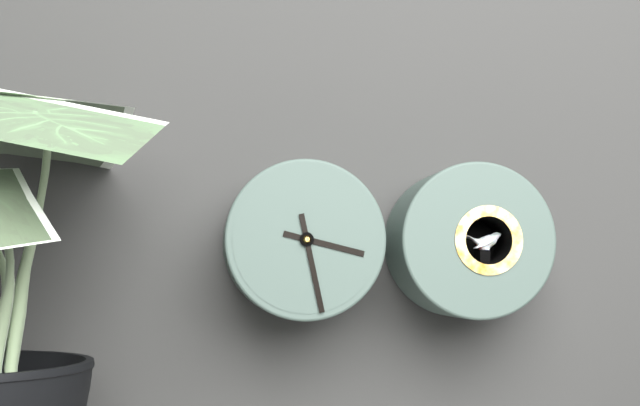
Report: 3 h 28 min
